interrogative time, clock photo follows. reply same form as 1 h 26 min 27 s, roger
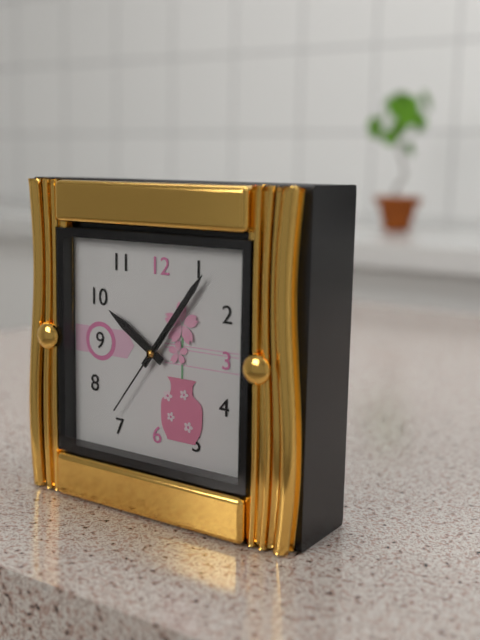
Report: 10 h 06 min 36 s
